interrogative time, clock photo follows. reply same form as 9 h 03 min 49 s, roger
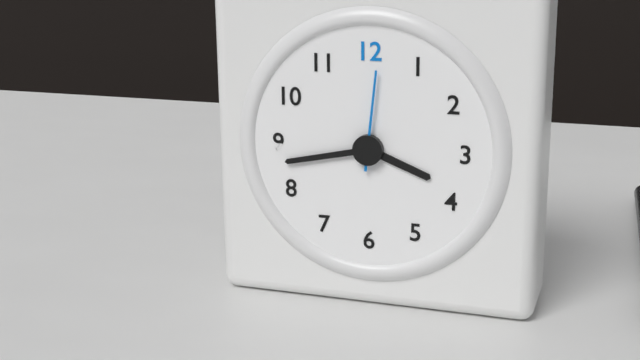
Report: 3 h 43 min 01 s
